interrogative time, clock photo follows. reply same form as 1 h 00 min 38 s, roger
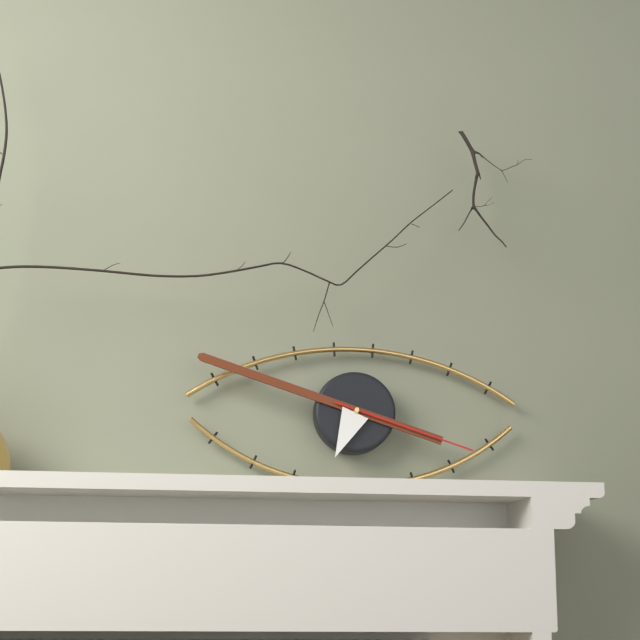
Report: 6 h 48 min 18 s
